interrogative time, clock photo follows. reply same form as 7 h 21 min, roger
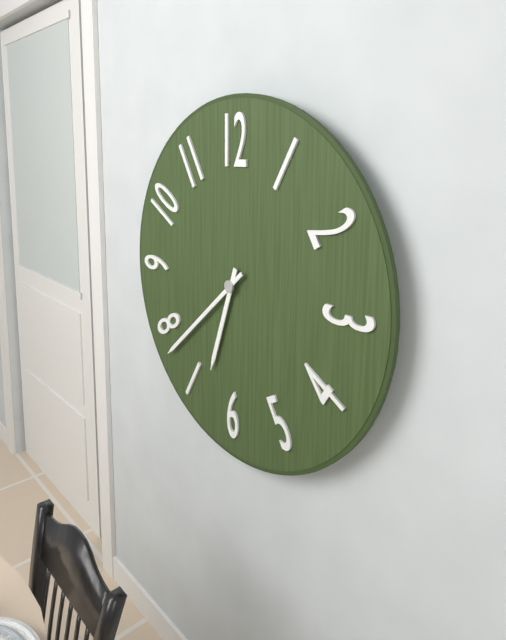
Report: 6 h 38 min
